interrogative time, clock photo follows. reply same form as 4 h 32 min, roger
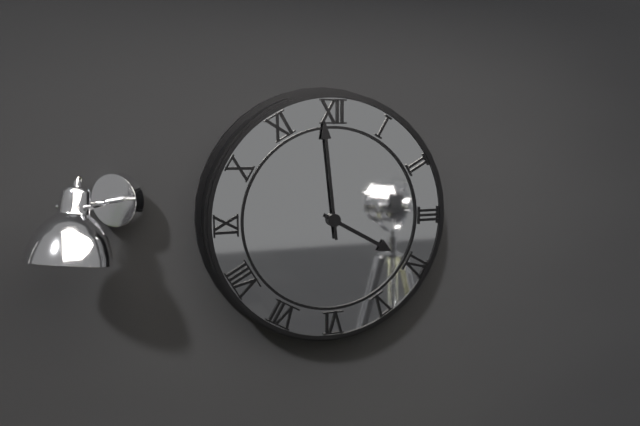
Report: 3 h 59 min
